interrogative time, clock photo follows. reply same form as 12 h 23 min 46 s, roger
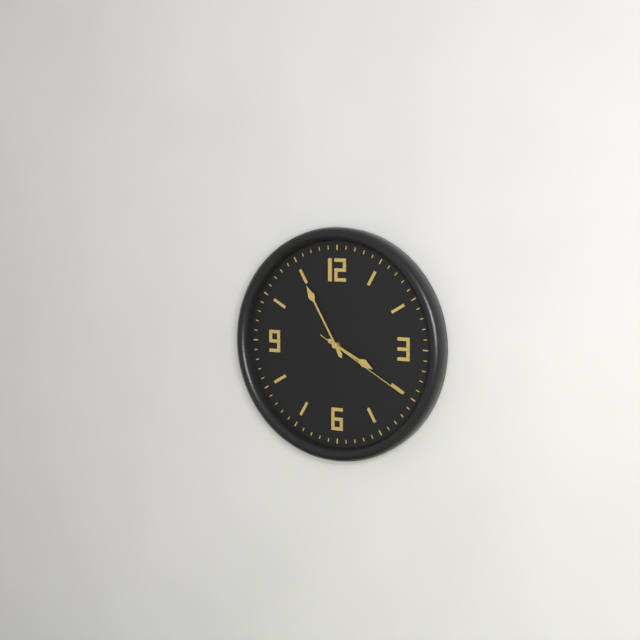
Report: 3 h 55 min 20 s
